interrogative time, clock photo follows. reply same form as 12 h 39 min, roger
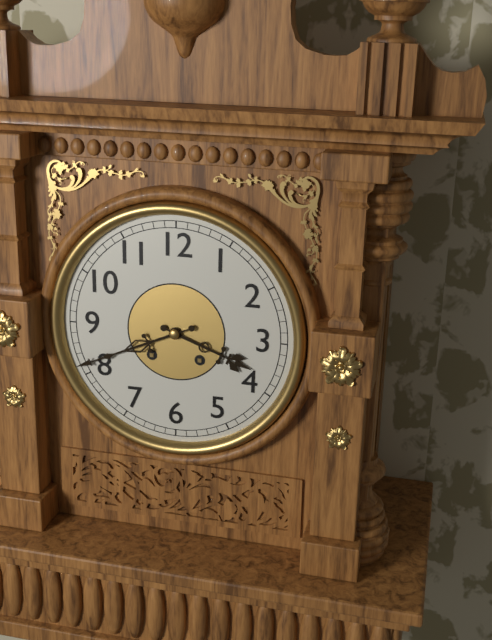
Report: 3 h 41 min
